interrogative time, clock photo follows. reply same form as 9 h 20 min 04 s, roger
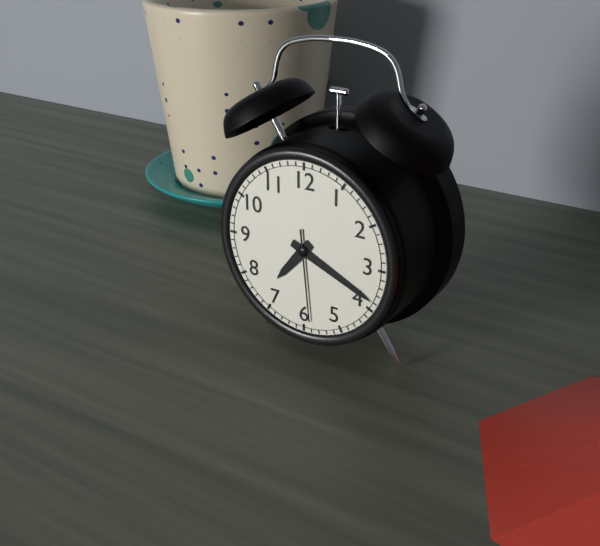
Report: 7 h 19 min 29 s
